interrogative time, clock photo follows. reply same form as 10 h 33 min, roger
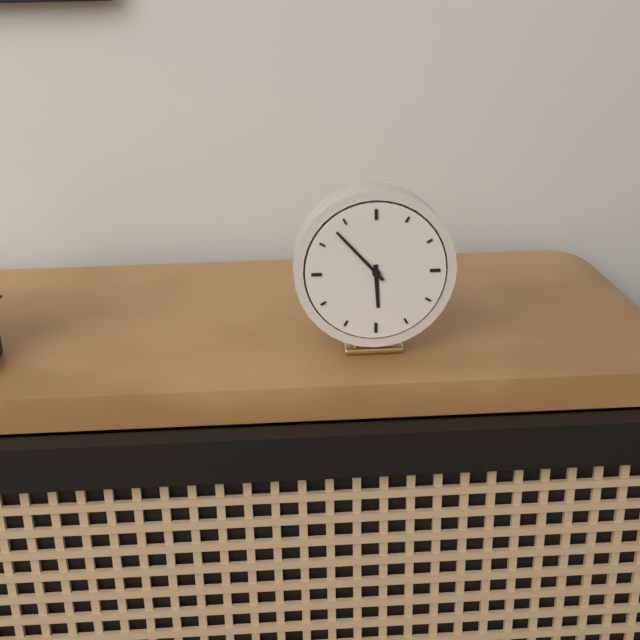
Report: 5 h 53 min
